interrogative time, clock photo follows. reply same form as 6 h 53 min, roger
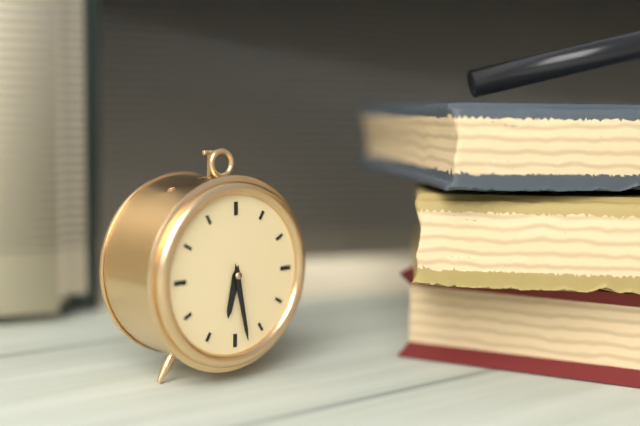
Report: 6 h 28 min
